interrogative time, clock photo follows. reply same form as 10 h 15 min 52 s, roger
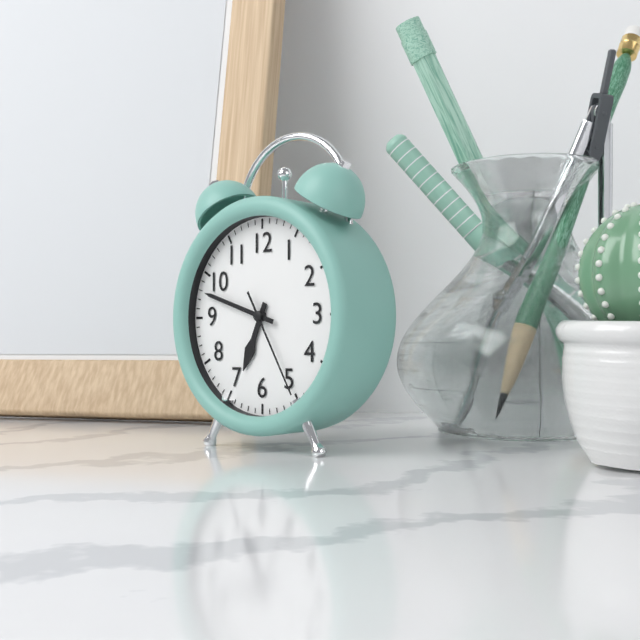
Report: 6 h 48 min 25 s
